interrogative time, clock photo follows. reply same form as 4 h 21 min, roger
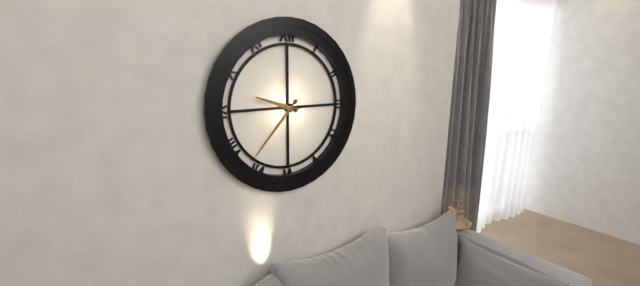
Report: 9 h 37 min
